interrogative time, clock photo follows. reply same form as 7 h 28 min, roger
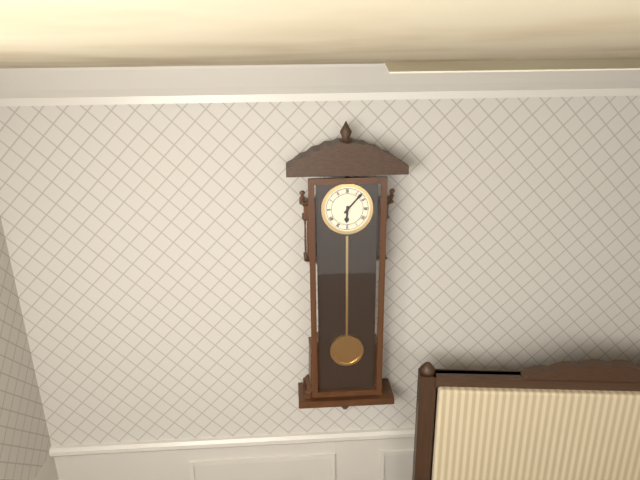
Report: 6 h 07 min
